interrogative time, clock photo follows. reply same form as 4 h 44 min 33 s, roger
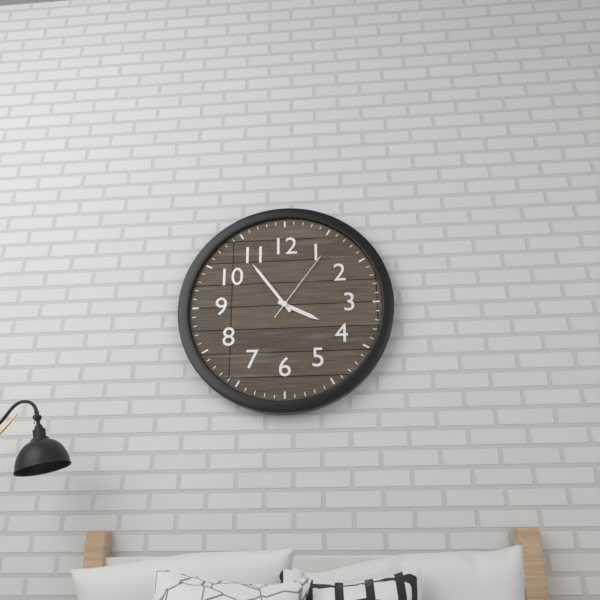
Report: 3 h 54 min 06 s
